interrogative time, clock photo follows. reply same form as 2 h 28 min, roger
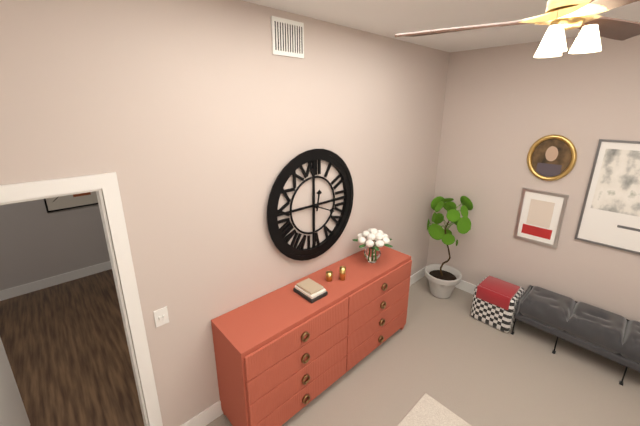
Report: 12 h 19 min
